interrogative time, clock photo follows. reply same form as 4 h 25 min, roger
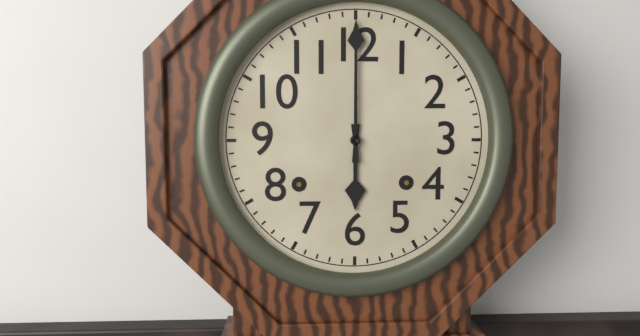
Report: 6 h 00 min
